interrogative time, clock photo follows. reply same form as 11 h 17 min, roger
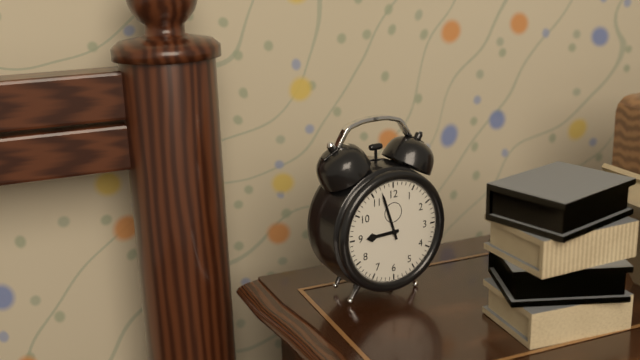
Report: 8 h 57 min
